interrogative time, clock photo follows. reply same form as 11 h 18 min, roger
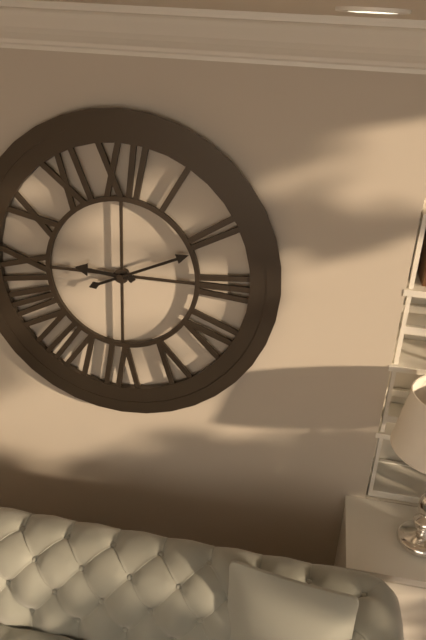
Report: 9 h 11 min
